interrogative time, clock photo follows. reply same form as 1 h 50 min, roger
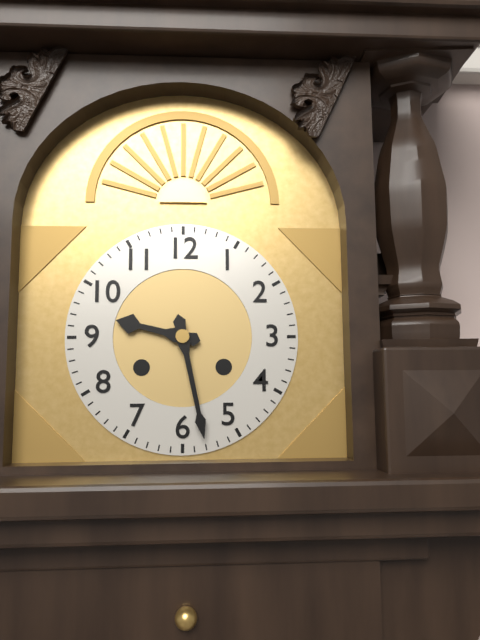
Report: 9 h 28 min
